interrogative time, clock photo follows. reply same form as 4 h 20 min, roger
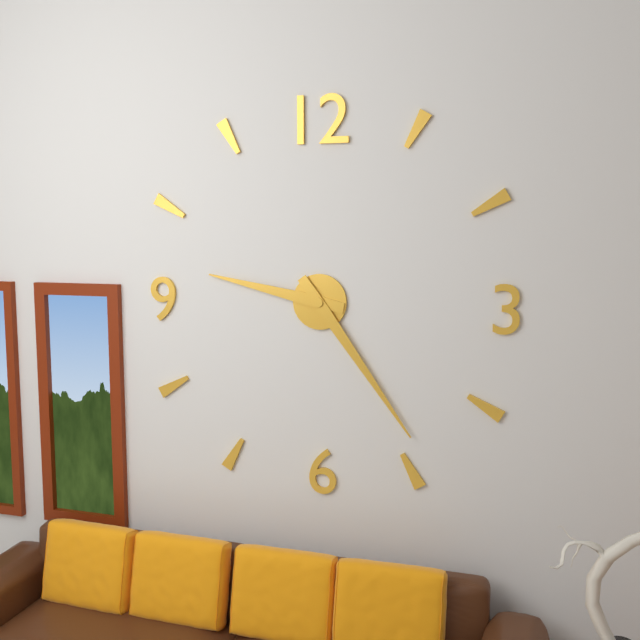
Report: 9 h 24 min
